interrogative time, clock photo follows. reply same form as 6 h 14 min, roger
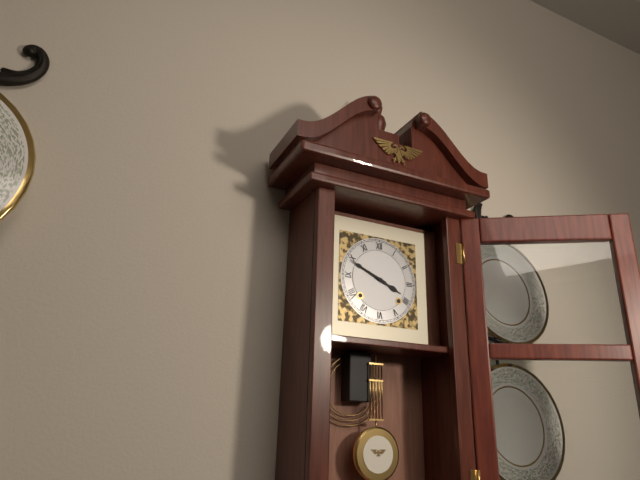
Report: 3 h 49 min
